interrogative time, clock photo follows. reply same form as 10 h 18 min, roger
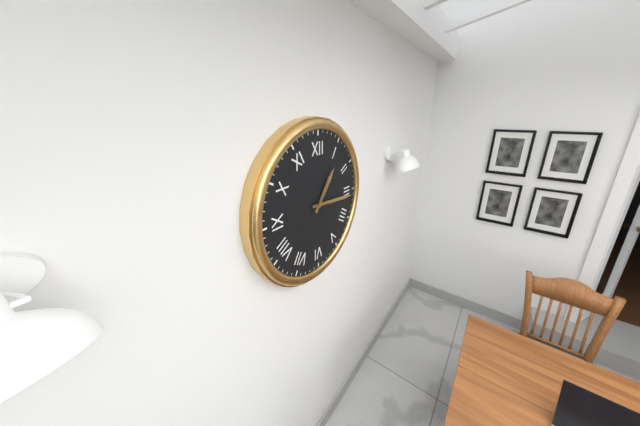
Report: 1 h 16 min
